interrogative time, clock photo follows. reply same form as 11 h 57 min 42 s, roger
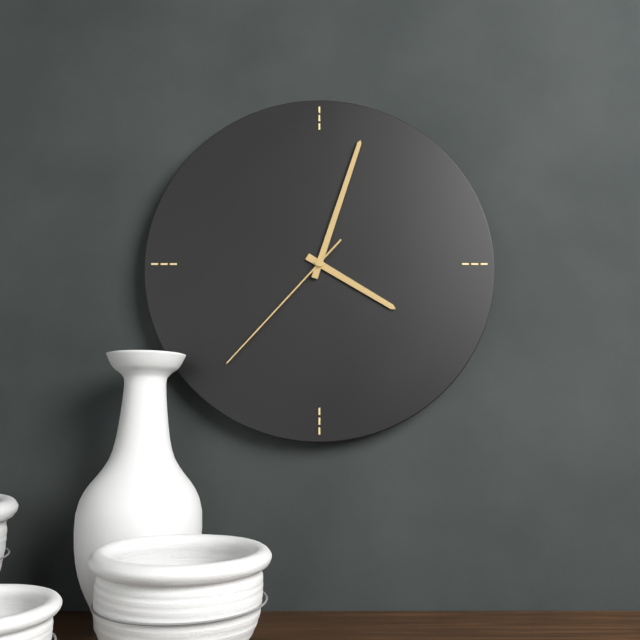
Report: 4 h 03 min 37 s
